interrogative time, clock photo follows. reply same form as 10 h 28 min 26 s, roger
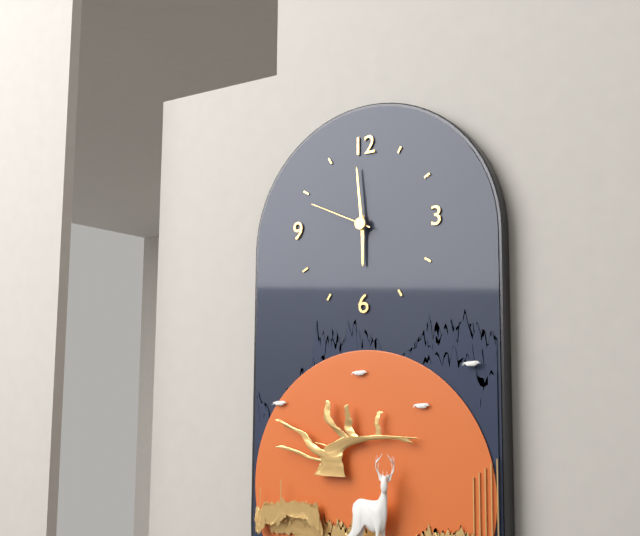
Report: 5 h 59 min 49 s
